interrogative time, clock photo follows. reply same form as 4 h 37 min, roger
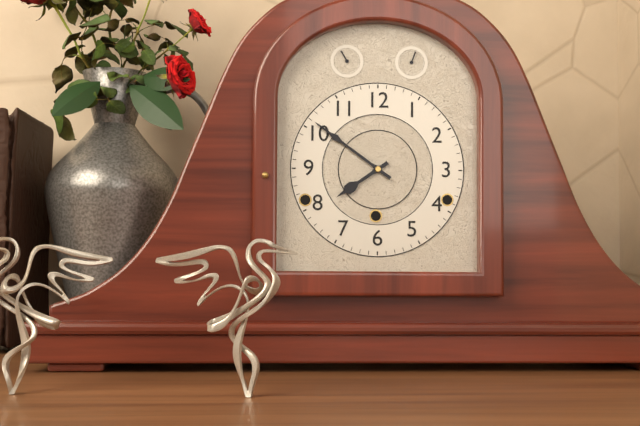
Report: 7 h 51 min
